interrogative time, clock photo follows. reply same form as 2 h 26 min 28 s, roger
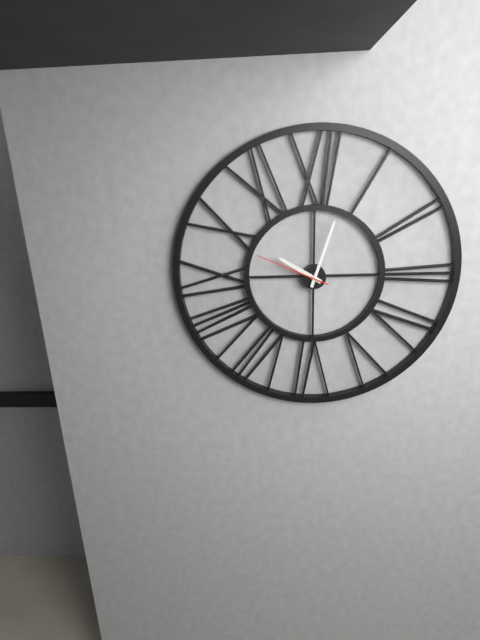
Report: 10 h 03 min 49 s
